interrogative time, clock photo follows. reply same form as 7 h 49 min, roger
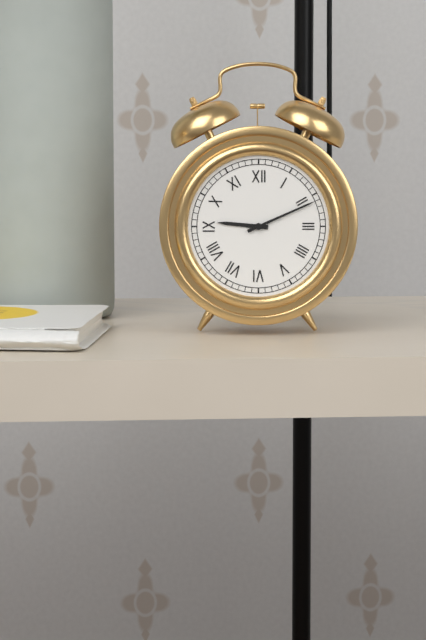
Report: 9 h 11 min
